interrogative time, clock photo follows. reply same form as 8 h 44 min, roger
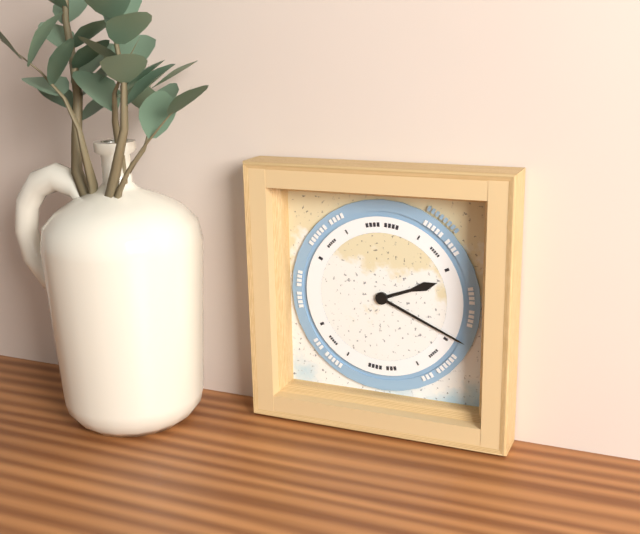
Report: 2 h 19 min
